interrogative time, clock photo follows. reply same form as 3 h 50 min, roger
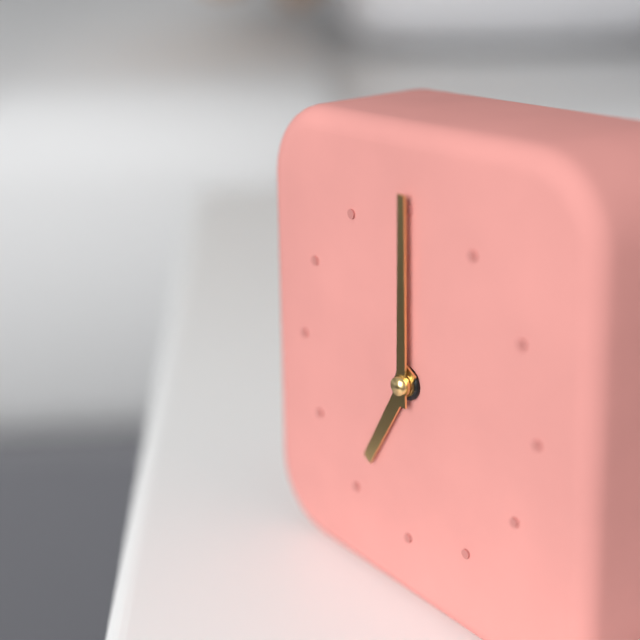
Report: 7 h 00 min
